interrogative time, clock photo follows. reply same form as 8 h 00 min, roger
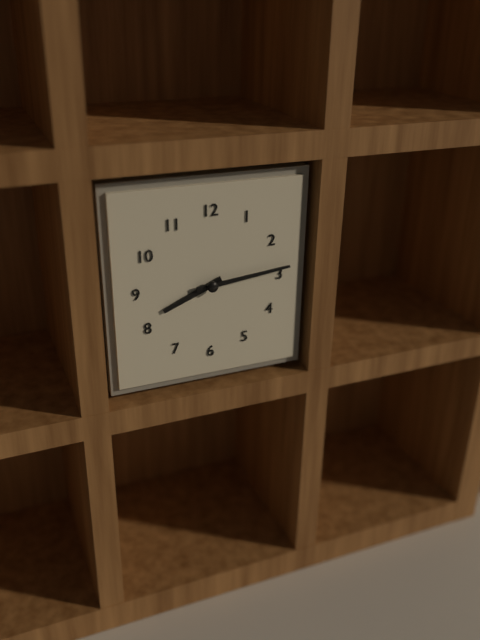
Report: 8 h 14 min
